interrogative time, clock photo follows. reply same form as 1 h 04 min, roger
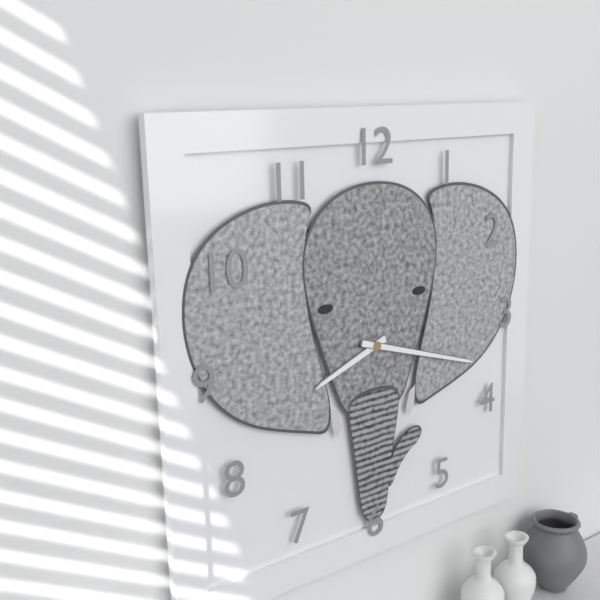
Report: 8 h 18 min
